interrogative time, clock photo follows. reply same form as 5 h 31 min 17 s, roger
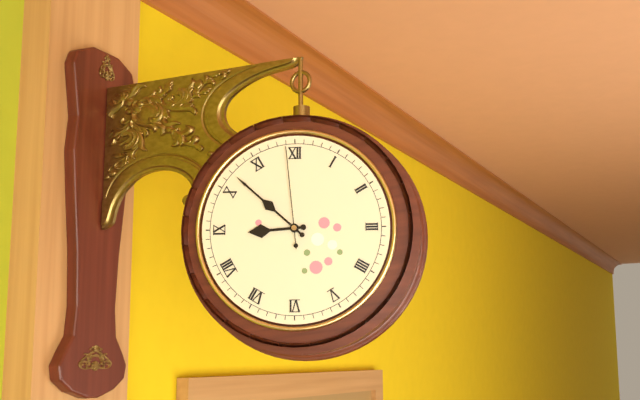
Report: 8 h 52 min 59 s
